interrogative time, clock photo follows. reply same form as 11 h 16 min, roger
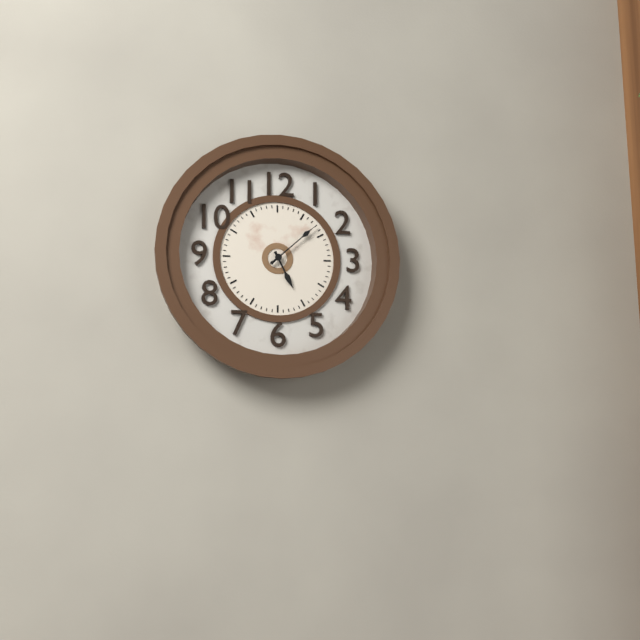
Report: 5 h 08 min
